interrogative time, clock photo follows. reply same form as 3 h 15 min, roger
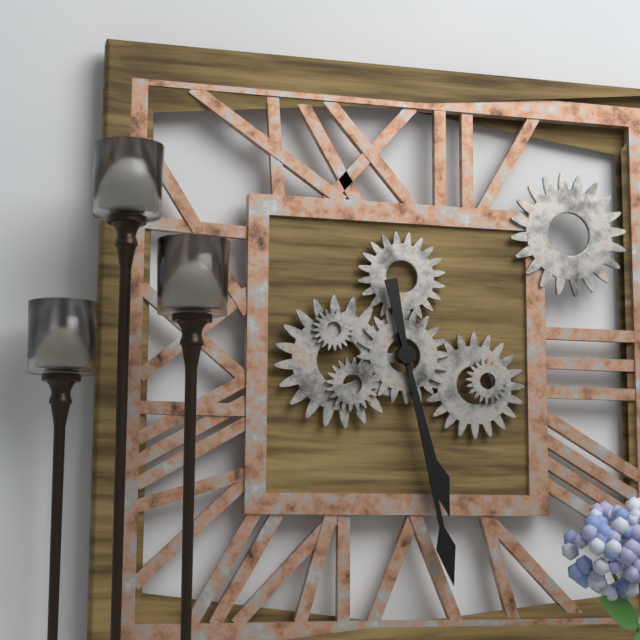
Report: 5 h 28 min
